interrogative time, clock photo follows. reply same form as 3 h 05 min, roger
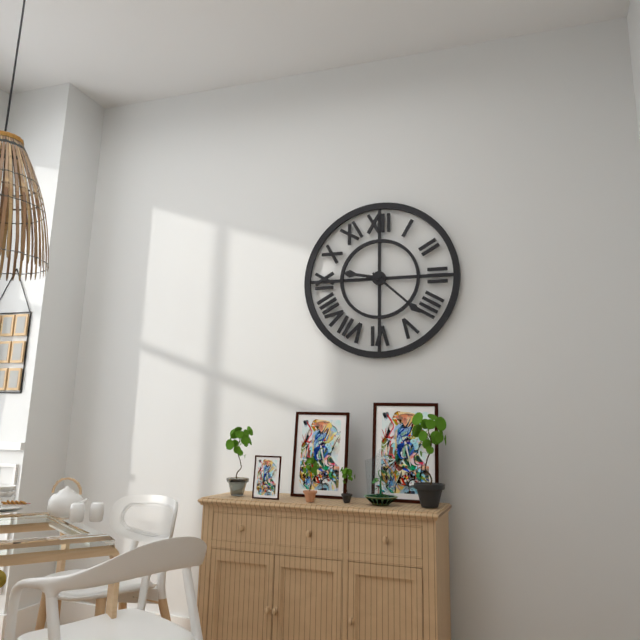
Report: 9 h 22 min
